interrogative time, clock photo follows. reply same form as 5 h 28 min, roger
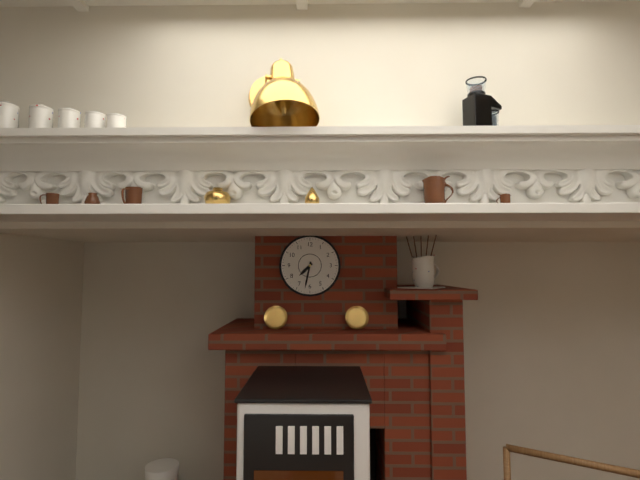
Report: 7 h 32 min
